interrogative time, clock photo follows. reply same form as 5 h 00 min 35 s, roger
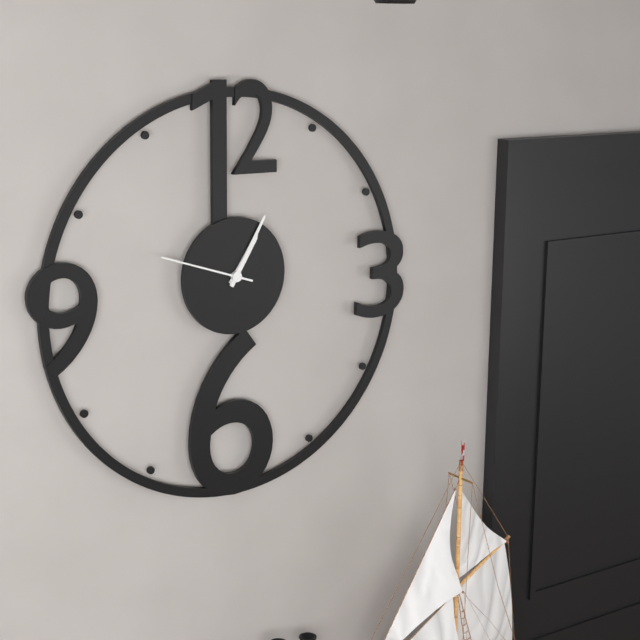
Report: 1 h 05 min 48 s
